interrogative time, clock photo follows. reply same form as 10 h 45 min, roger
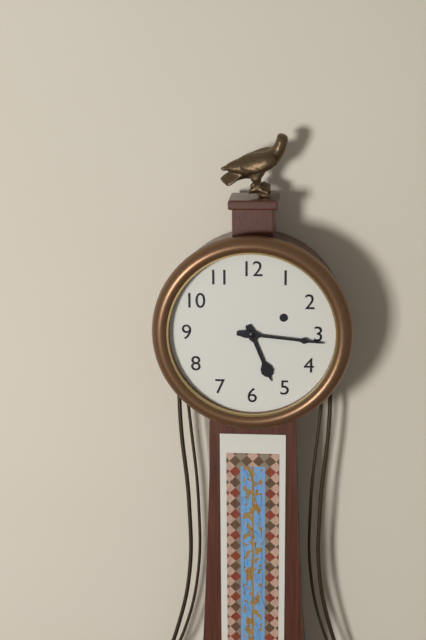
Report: 5 h 16 min
